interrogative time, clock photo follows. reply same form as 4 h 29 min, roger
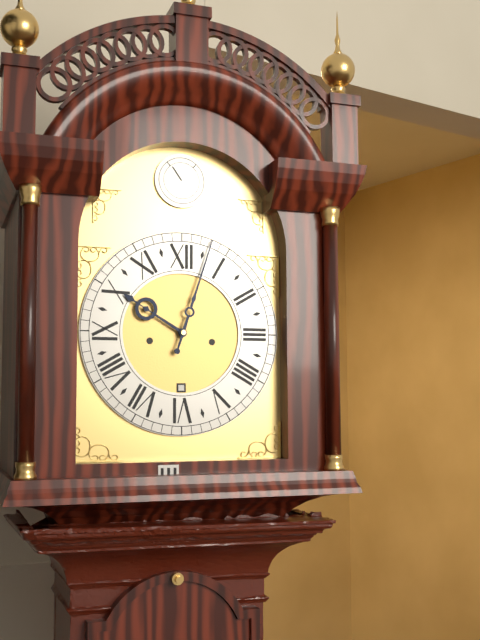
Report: 10 h 03 min
